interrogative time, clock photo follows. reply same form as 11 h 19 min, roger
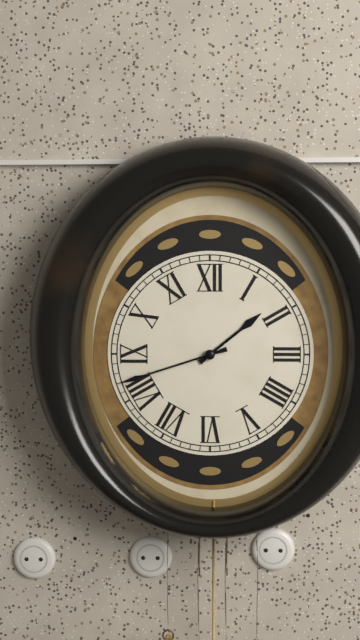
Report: 1 h 42 min
